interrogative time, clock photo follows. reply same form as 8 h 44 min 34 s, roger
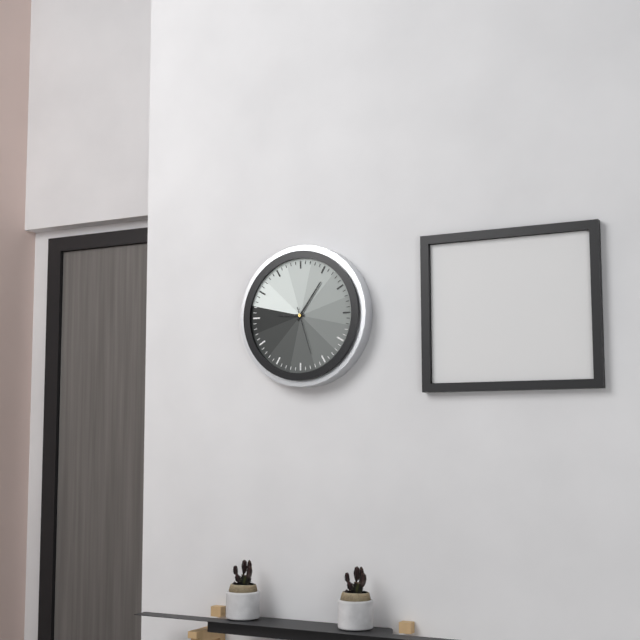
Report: 9 h 06 min 27 s
